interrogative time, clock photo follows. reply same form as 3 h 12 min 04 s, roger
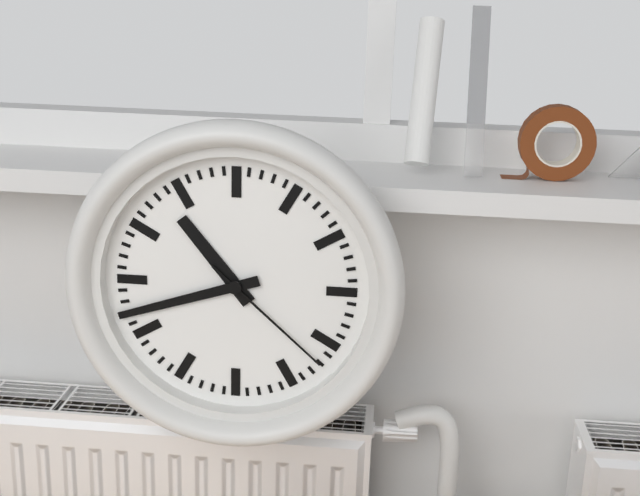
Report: 10 h 42 min 22 s
